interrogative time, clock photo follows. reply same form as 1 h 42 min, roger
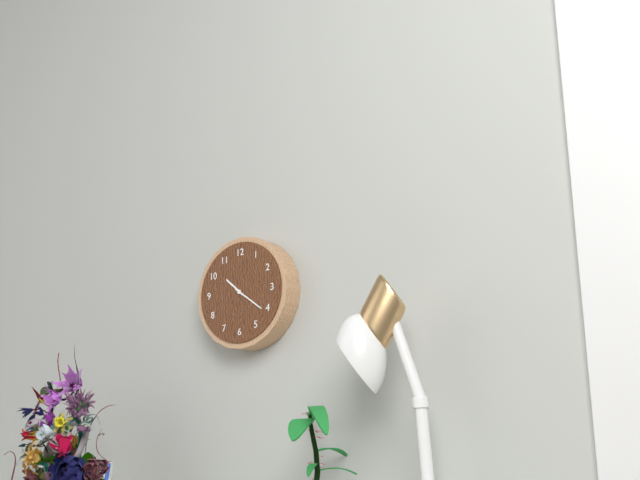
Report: 10 h 21 min
